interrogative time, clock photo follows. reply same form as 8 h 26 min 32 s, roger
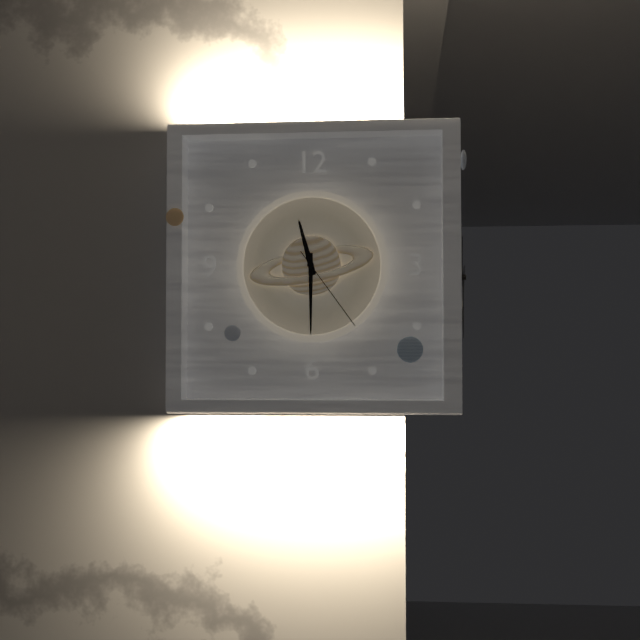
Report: 11 h 30 min 24 s
